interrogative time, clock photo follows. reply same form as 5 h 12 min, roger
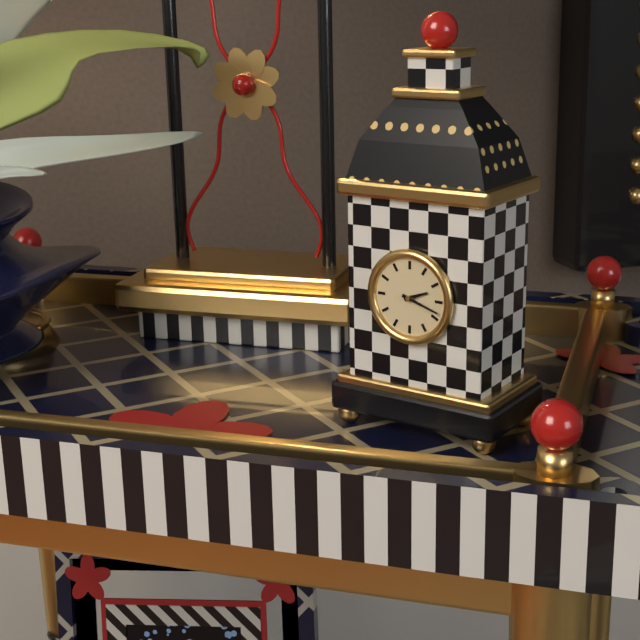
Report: 2 h 18 min
